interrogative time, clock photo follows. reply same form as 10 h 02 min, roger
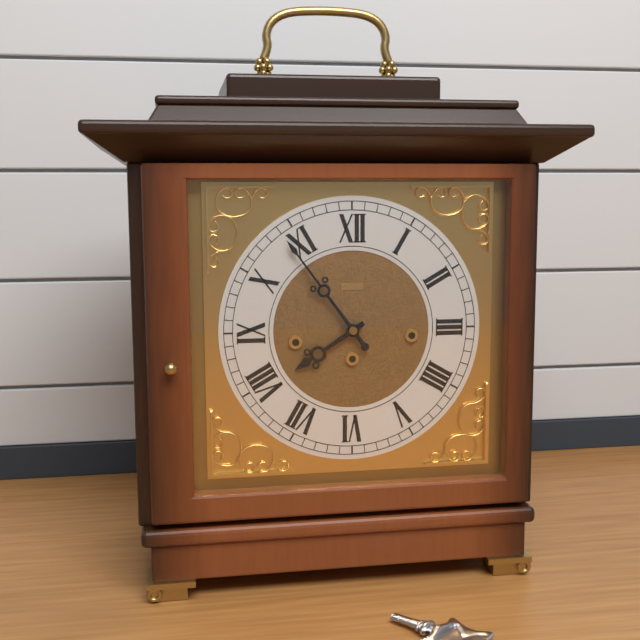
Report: 7 h 54 min
